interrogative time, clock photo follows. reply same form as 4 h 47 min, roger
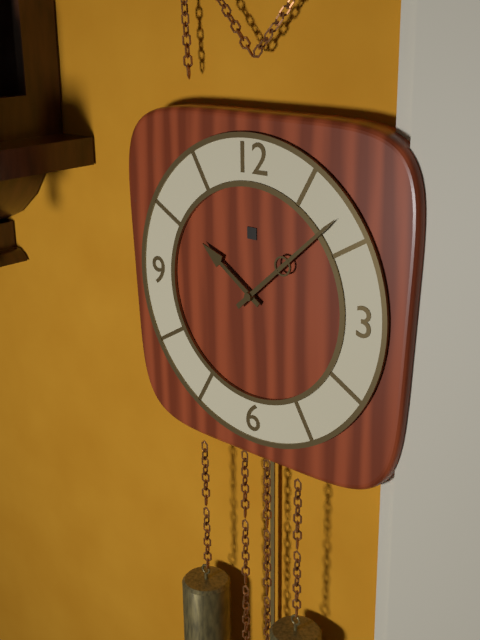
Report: 10 h 08 min
